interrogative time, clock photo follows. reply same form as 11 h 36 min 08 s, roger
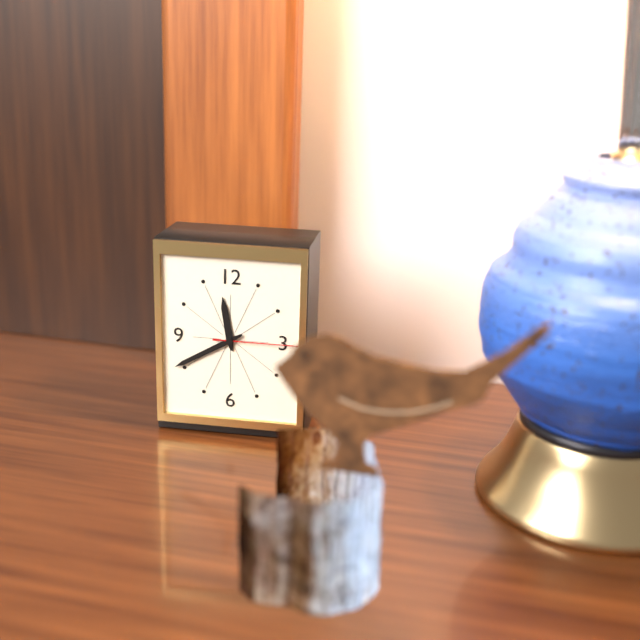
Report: 11 h 40 min 15 s
